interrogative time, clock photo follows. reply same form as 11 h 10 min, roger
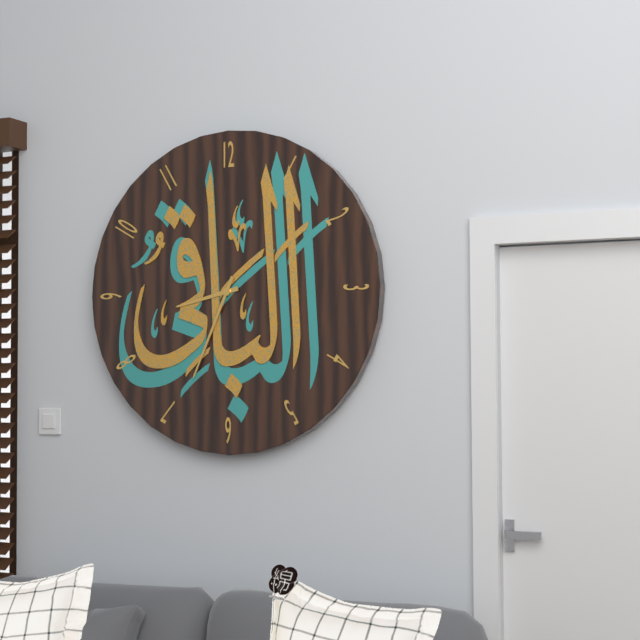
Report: 8 h 34 min
